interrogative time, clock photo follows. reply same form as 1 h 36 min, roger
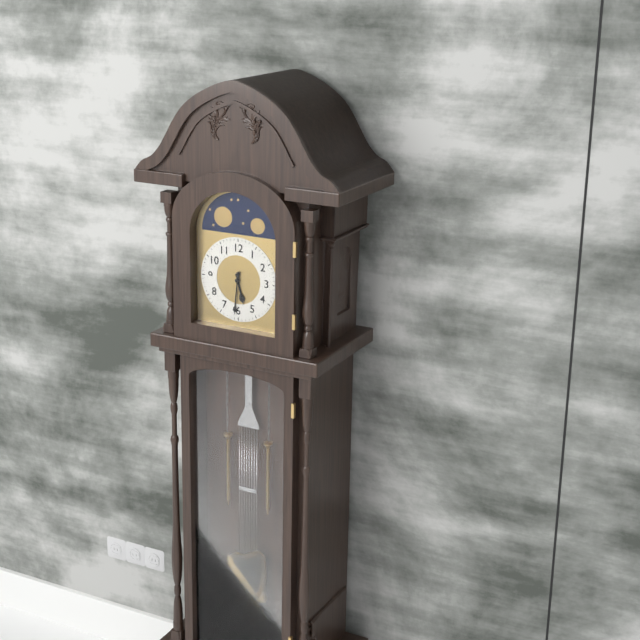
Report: 5 h 31 min
